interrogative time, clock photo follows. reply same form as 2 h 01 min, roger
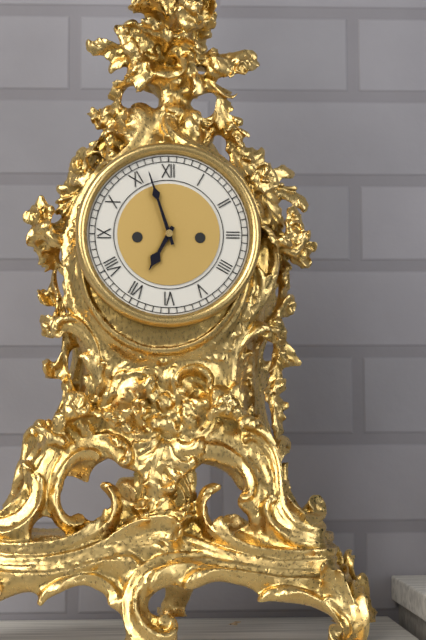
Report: 6 h 57 min
